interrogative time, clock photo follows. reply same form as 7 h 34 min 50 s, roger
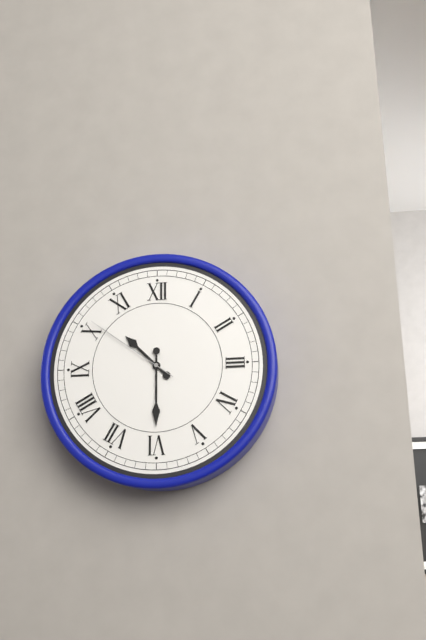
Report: 10 h 30 min 51 s
